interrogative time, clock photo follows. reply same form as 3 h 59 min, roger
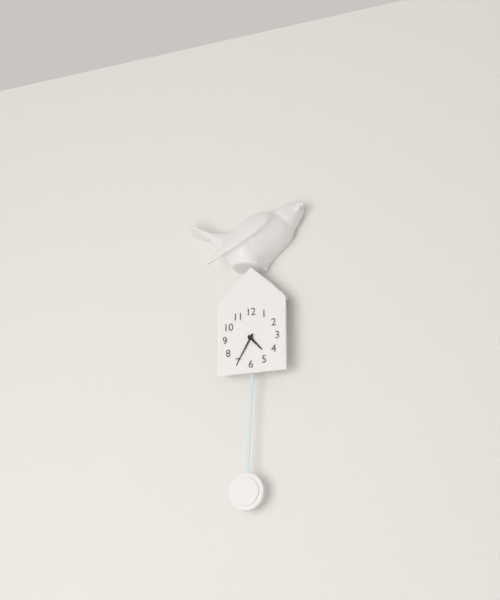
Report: 4 h 35 min
